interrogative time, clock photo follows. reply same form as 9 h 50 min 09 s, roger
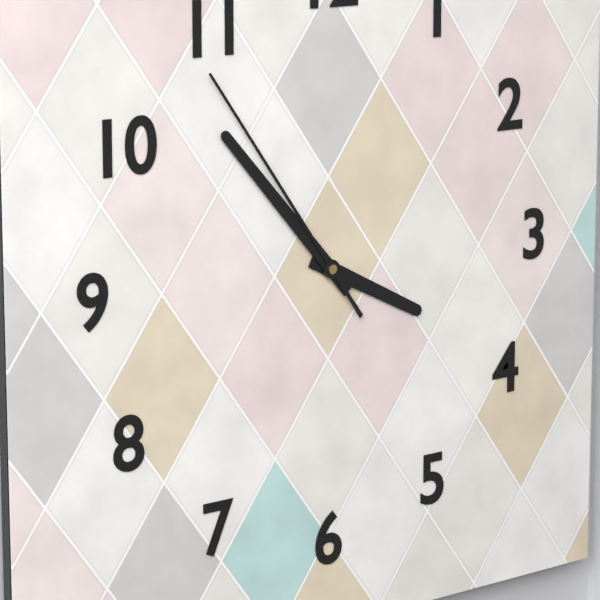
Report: 3 h 53 min 54 s
